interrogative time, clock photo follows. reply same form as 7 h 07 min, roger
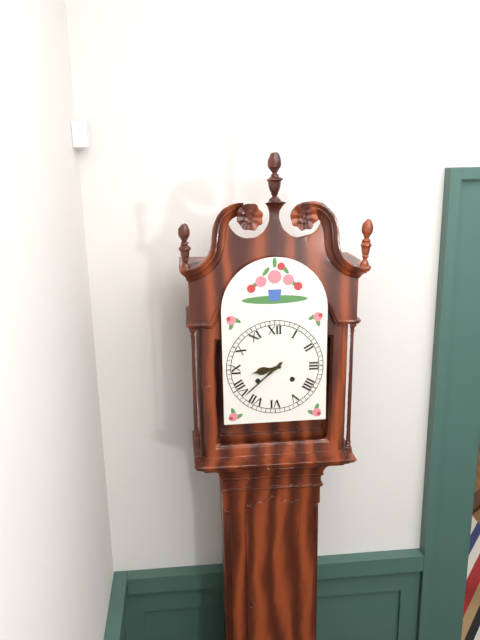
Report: 8 h 38 min
